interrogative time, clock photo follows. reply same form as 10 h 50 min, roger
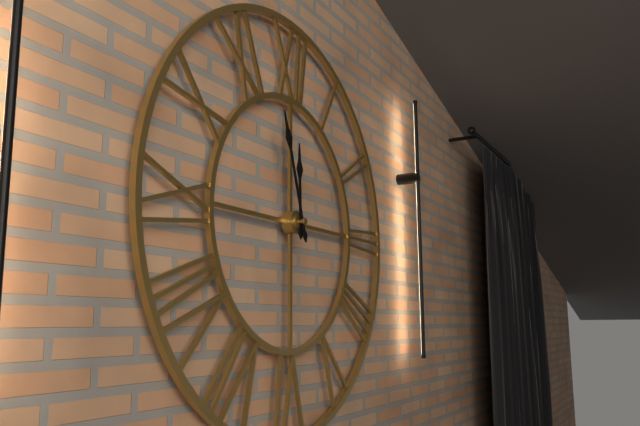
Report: 11 h 57 min
